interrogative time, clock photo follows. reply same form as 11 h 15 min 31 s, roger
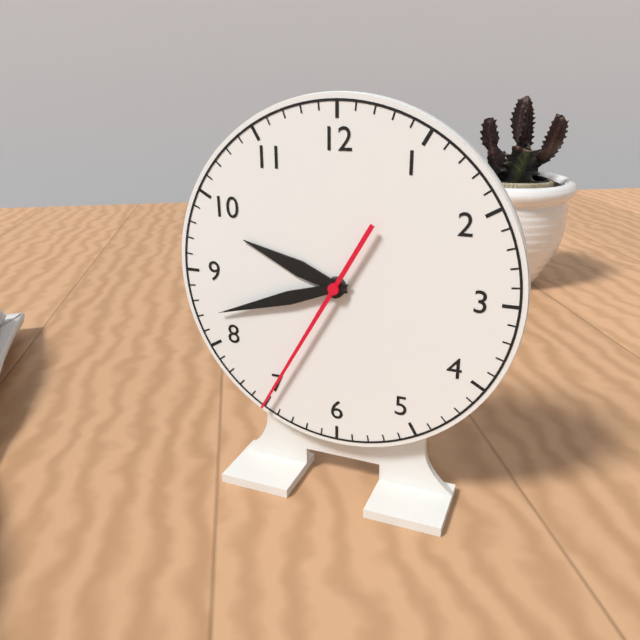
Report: 9 h 42 min 35 s
